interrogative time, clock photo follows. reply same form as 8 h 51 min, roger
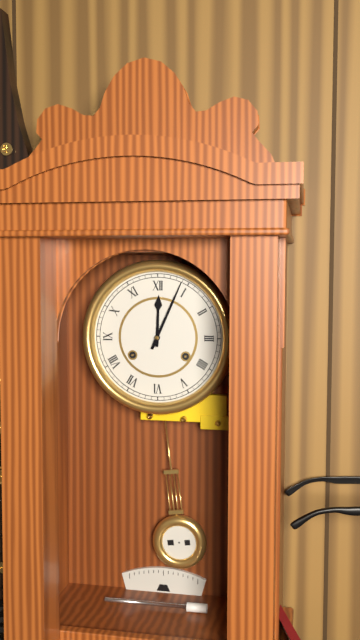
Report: 12 h 04 min
